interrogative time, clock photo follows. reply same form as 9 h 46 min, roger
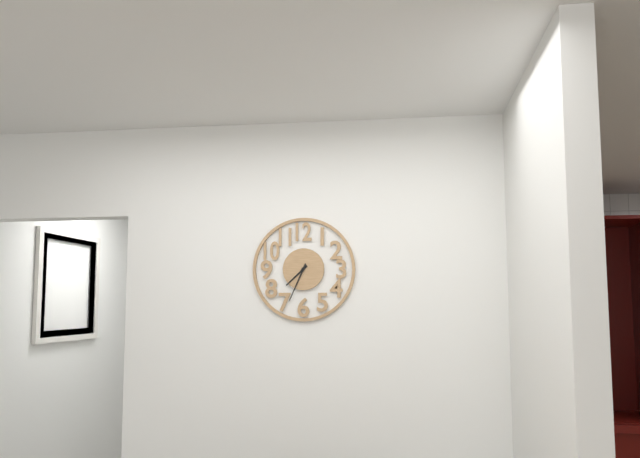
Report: 7 h 34 min
